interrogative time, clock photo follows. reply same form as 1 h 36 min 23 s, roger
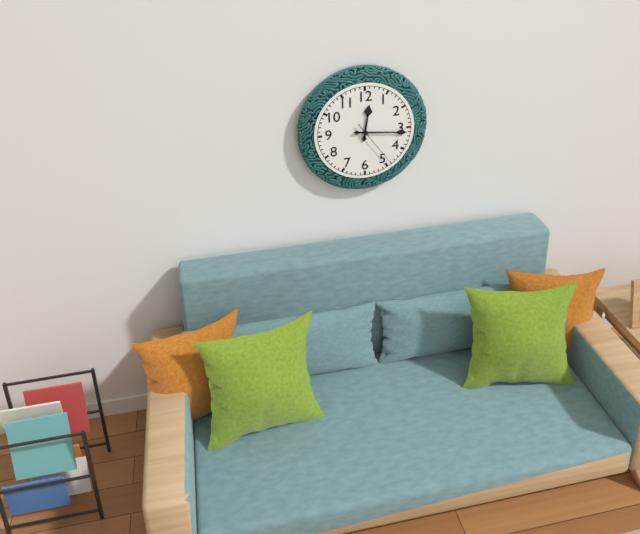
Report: 12 h 16 min 24 s
